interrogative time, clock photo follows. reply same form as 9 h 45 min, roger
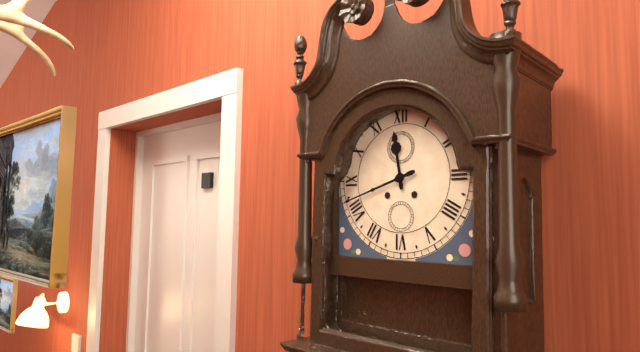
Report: 11 h 42 min
